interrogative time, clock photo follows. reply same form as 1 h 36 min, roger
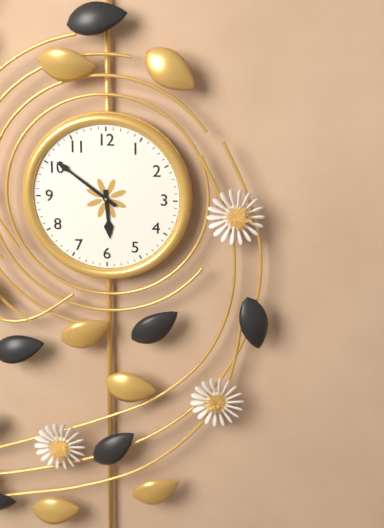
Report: 5 h 51 min
